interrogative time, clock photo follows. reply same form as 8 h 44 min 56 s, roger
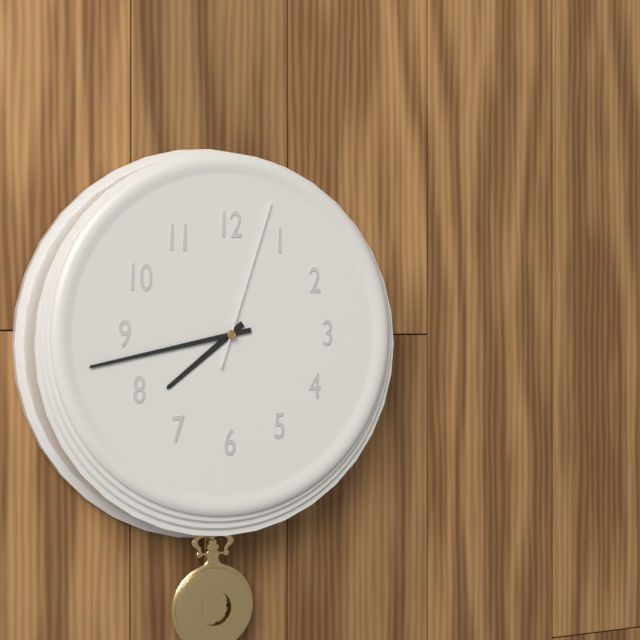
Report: 7 h 43 min 03 s
